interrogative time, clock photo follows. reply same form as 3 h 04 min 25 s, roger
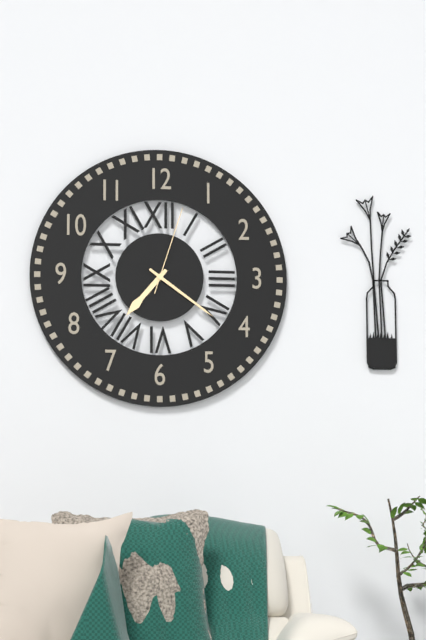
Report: 7 h 21 min 03 s
